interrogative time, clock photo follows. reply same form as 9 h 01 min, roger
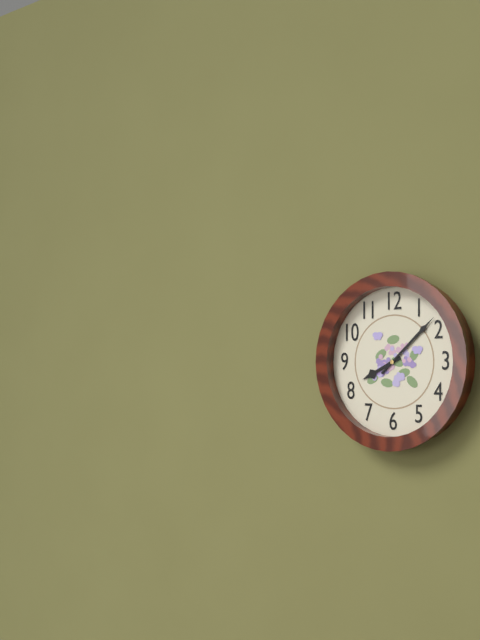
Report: 8 h 08 min
